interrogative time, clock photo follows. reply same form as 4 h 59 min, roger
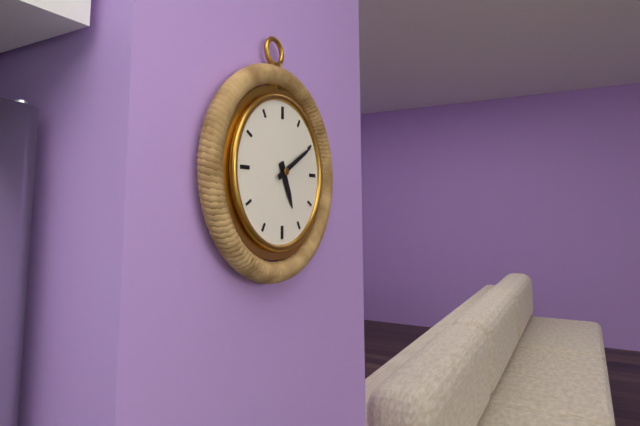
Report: 5 h 10 min
